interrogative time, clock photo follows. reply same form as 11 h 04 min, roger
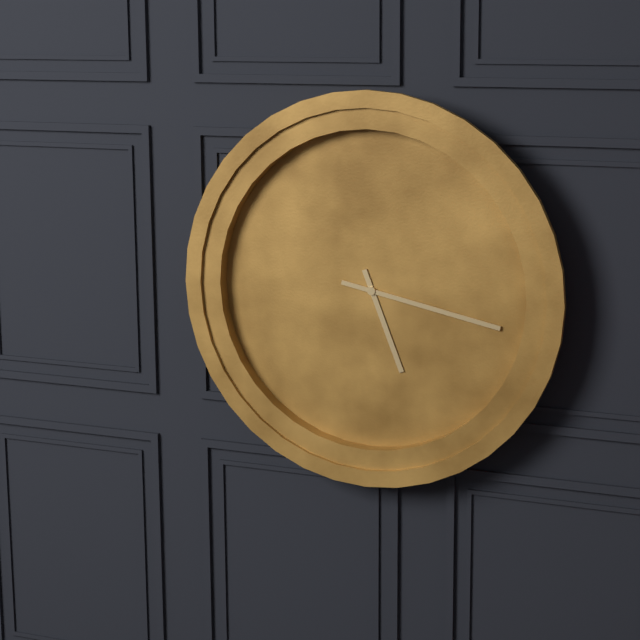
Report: 5 h 17 min
